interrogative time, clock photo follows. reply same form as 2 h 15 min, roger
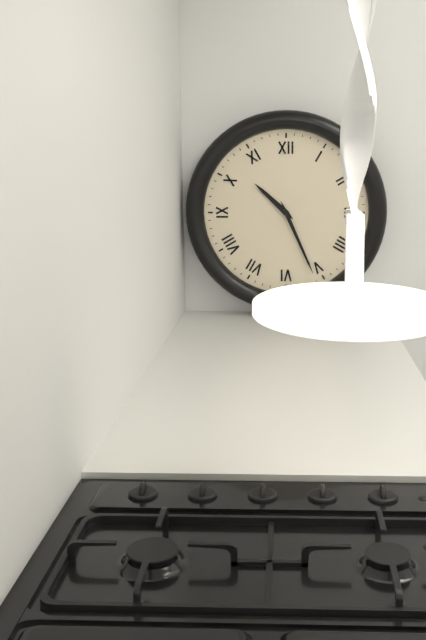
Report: 10 h 26 min
